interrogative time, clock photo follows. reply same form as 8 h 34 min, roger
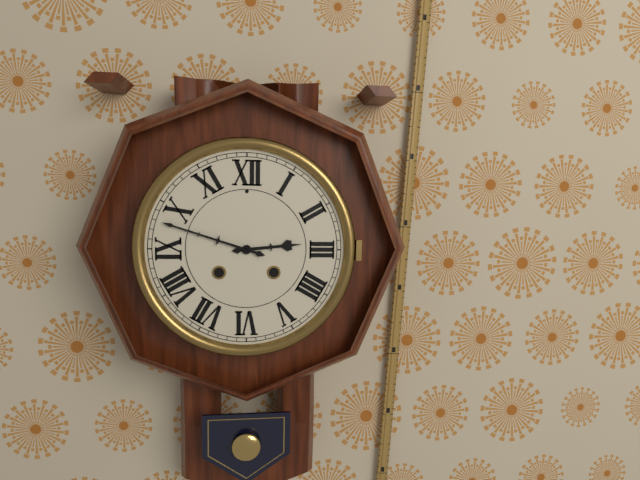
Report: 2 h 48 min
